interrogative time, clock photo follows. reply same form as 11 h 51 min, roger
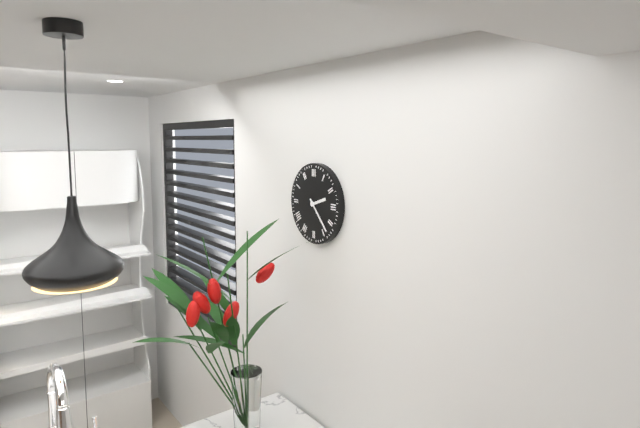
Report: 2 h 23 min
